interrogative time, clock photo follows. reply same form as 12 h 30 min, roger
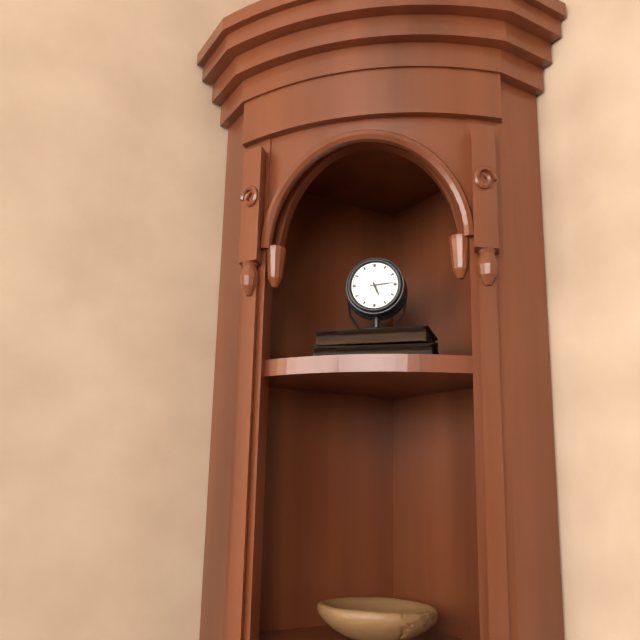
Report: 5 h 14 min
